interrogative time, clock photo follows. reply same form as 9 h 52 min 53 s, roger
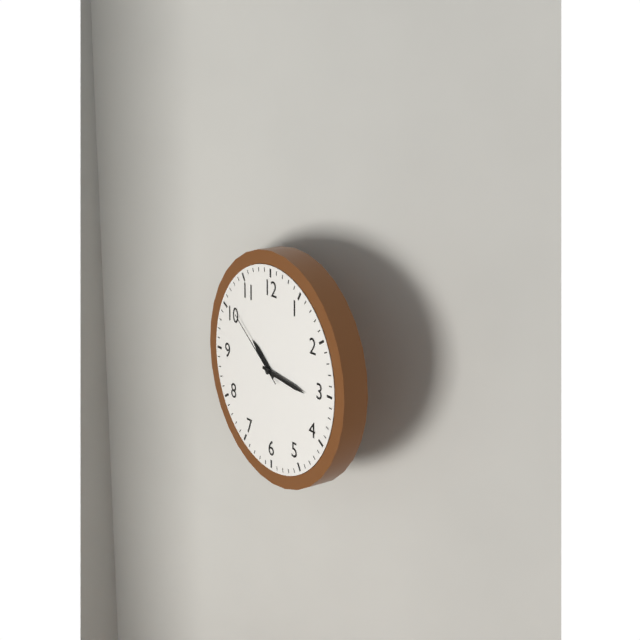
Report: 10 h 16 min 51 s
